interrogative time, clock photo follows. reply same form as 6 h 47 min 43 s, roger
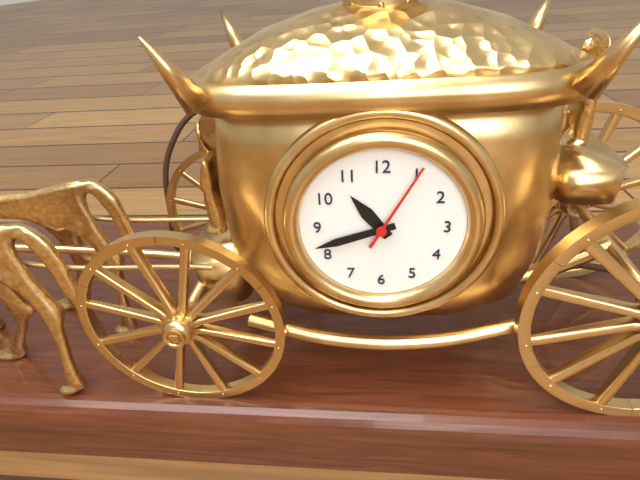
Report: 10 h 42 min 05 s
